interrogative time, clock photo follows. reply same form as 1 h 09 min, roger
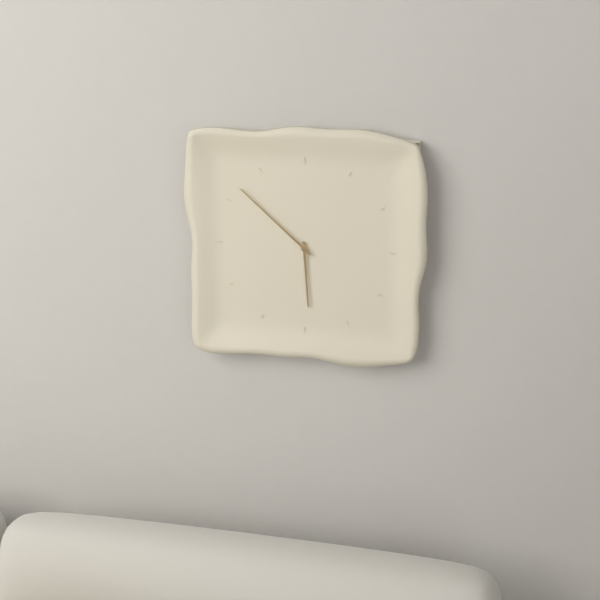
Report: 5 h 52 min
